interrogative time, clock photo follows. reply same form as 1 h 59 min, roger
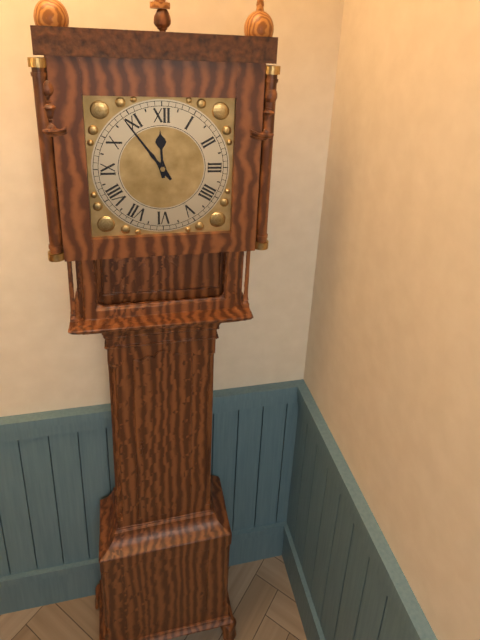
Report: 11 h 54 min
